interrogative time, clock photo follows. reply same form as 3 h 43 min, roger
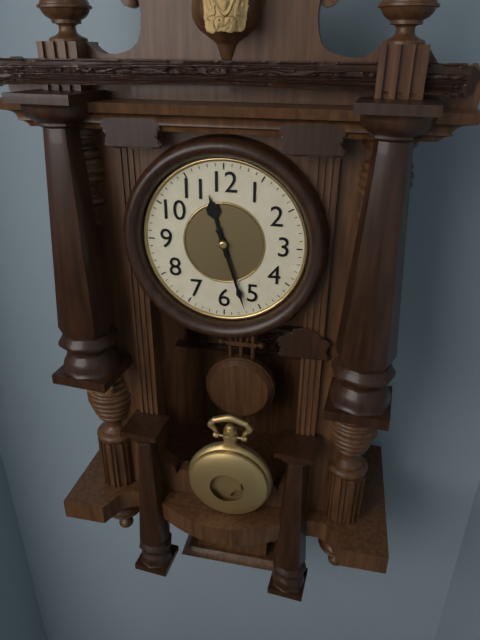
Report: 11 h 27 min
